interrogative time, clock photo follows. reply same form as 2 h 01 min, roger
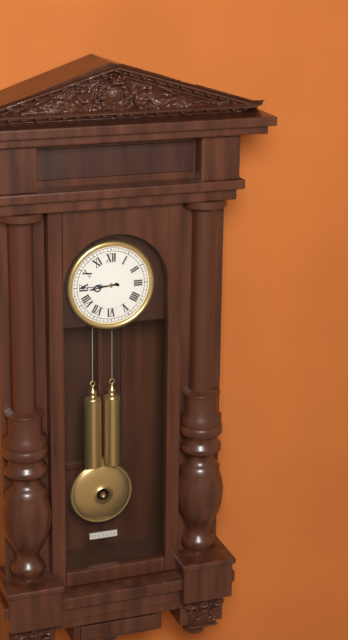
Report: 8 h 45 min
